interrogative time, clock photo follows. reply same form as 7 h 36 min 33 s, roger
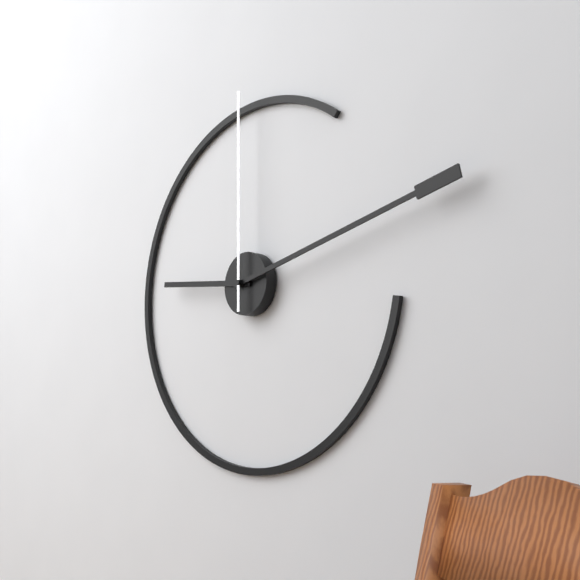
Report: 9 h 13 min 00 s
